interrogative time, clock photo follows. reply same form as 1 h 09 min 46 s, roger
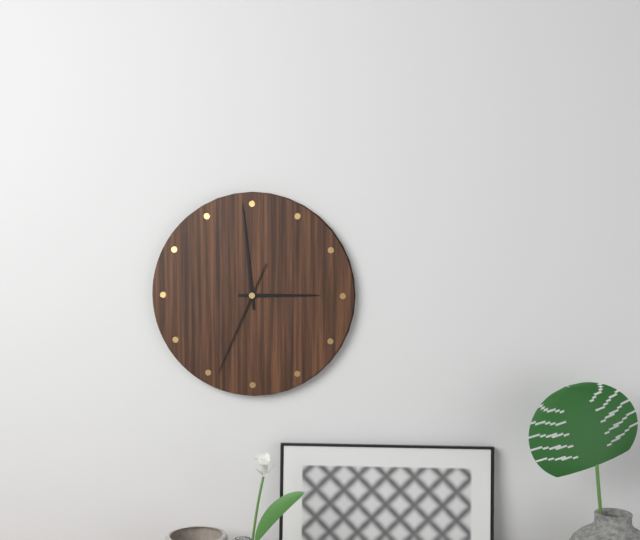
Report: 2 h 59 min 34 s
